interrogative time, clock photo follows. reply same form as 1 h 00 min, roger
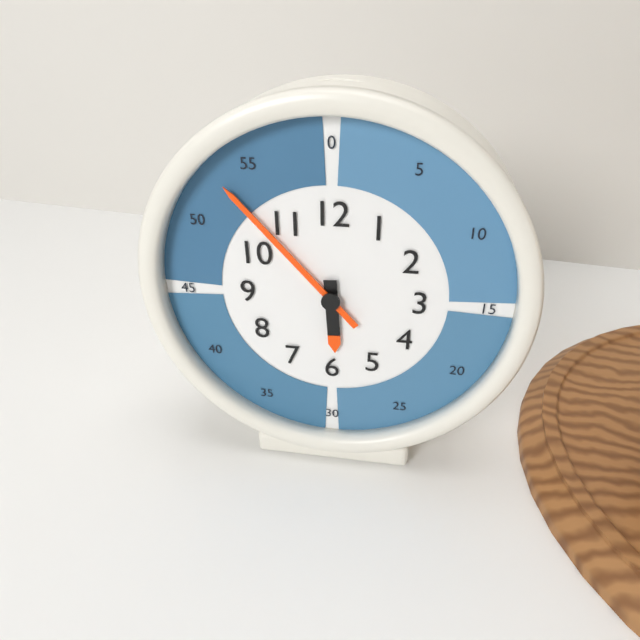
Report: 5 h 53 min
